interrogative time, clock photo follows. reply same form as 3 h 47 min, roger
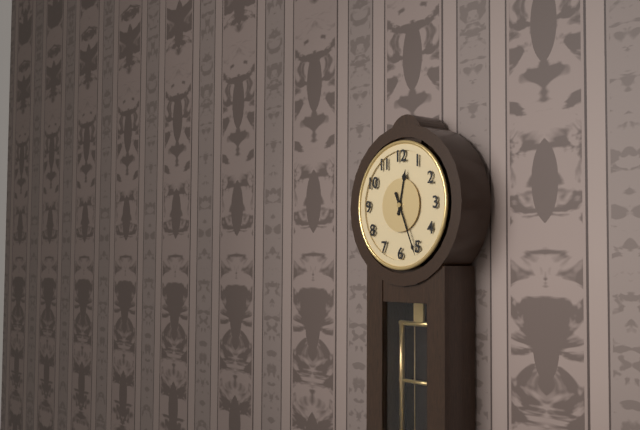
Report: 12 h 26 min
